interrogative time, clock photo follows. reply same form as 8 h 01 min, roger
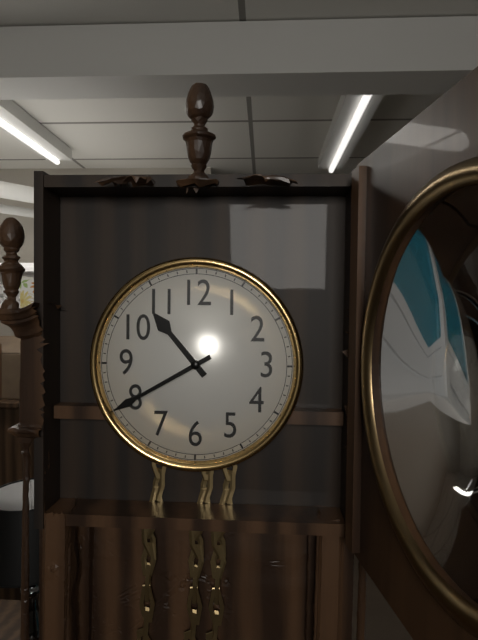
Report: 10 h 40 min
